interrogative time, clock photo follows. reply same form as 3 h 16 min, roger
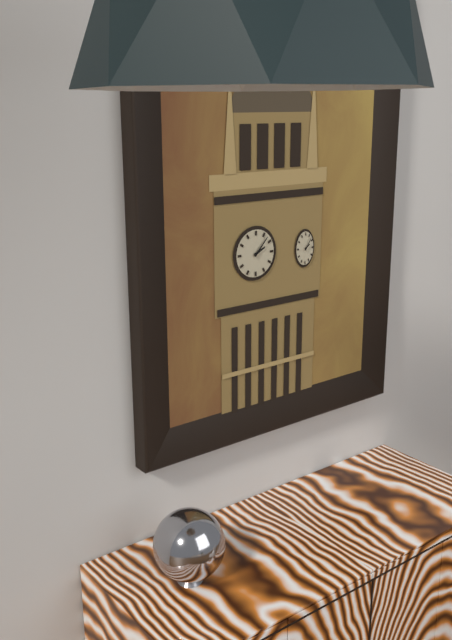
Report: 2 h 07 min
